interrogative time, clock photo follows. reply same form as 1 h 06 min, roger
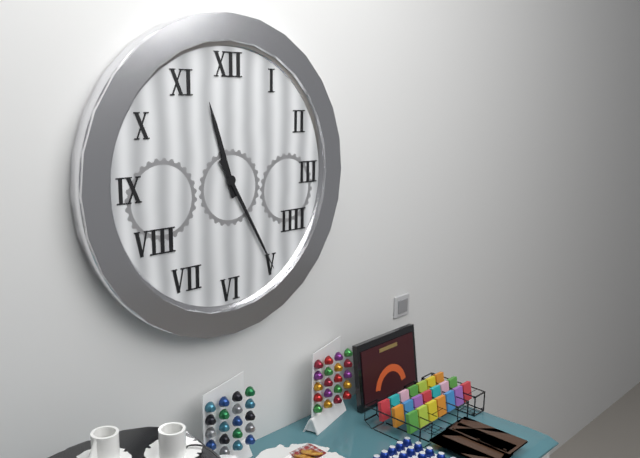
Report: 11 h 25 min
